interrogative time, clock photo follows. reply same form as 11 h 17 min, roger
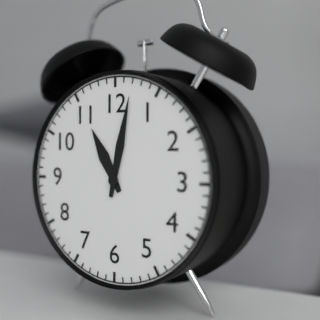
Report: 11 h 02 min
